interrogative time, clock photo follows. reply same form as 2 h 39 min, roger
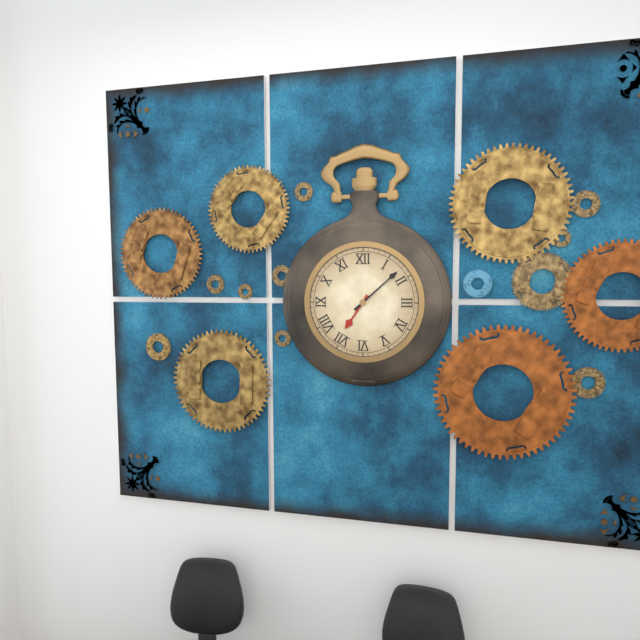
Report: 7 h 08 min
